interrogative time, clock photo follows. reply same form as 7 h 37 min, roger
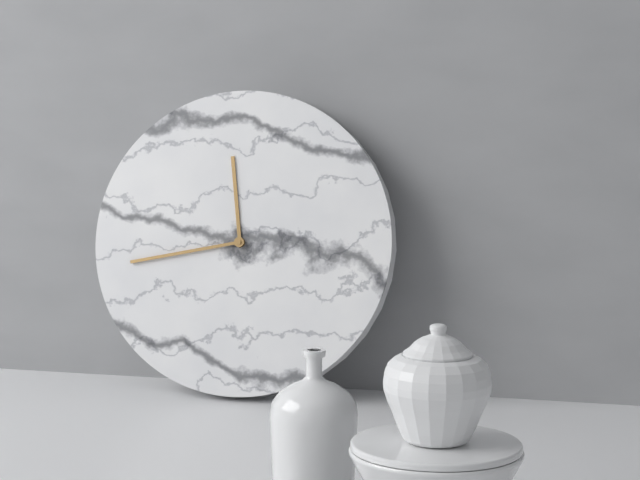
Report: 11 h 43 min
